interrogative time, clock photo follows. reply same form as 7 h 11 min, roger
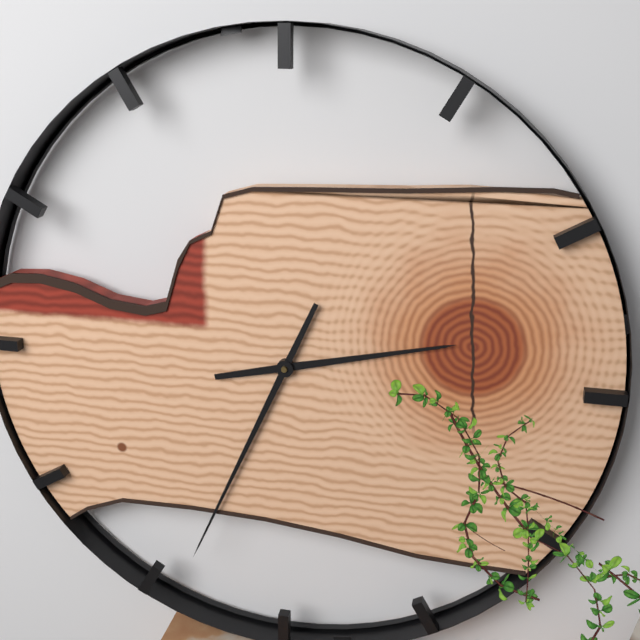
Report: 2 h 34 min
